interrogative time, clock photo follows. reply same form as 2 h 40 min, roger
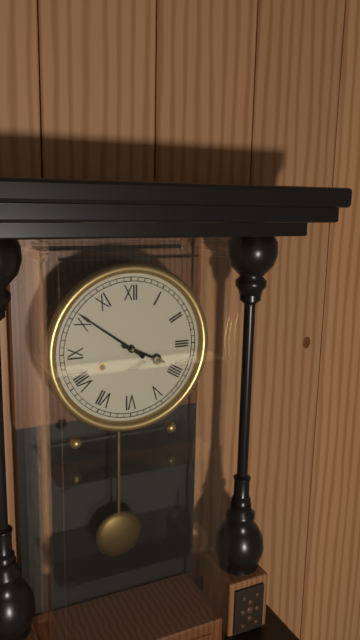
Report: 3 h 51 min
